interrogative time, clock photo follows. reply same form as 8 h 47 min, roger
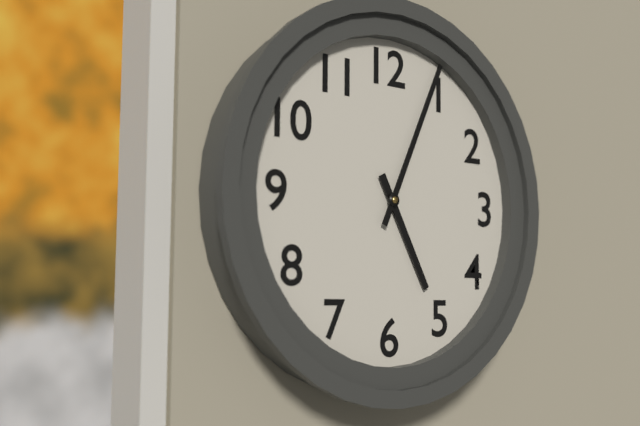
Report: 5 h 04 min
